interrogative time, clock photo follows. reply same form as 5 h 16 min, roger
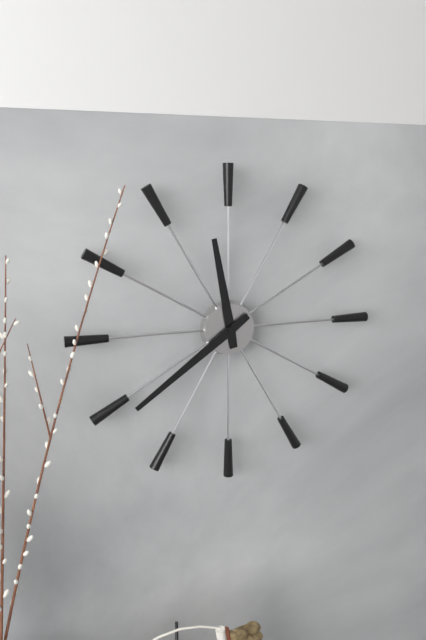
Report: 11 h 39 min
